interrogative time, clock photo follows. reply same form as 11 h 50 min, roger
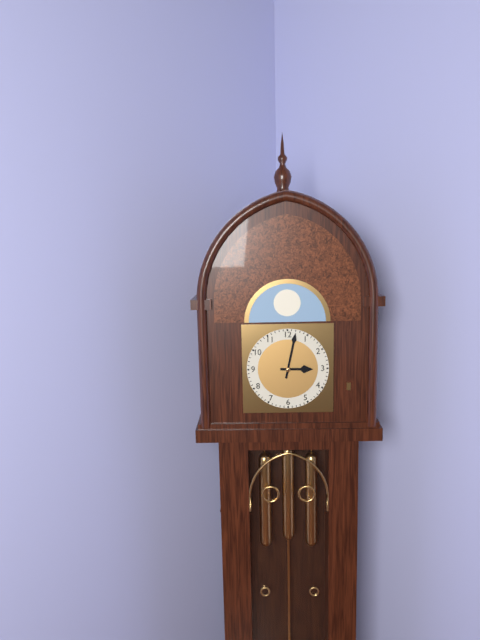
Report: 3 h 02 min
